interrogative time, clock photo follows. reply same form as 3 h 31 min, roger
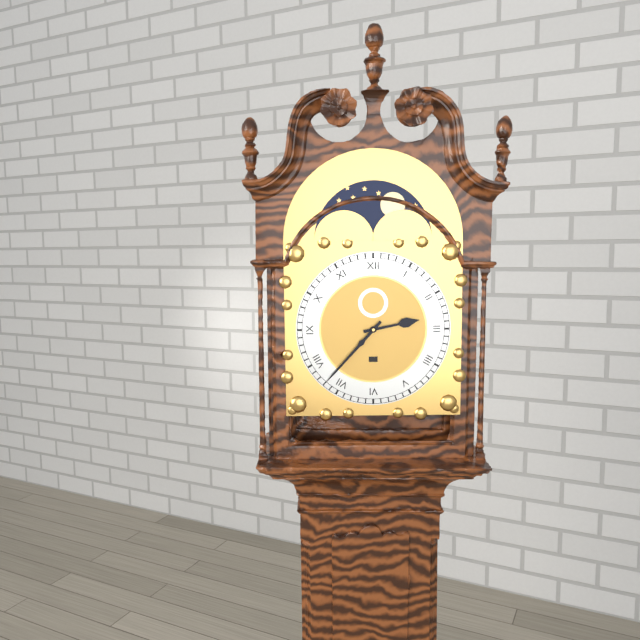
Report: 2 h 37 min
